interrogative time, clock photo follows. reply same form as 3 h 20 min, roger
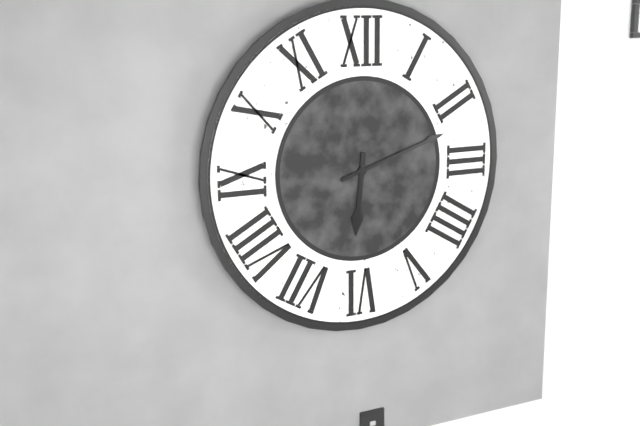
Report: 6 h 12 min
